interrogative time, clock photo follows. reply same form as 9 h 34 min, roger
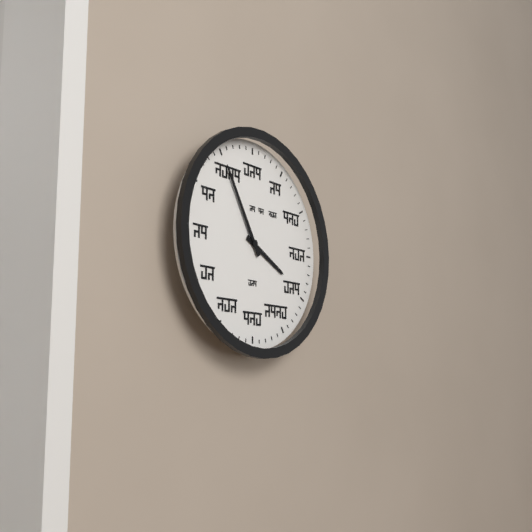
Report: 3 h 55 min
